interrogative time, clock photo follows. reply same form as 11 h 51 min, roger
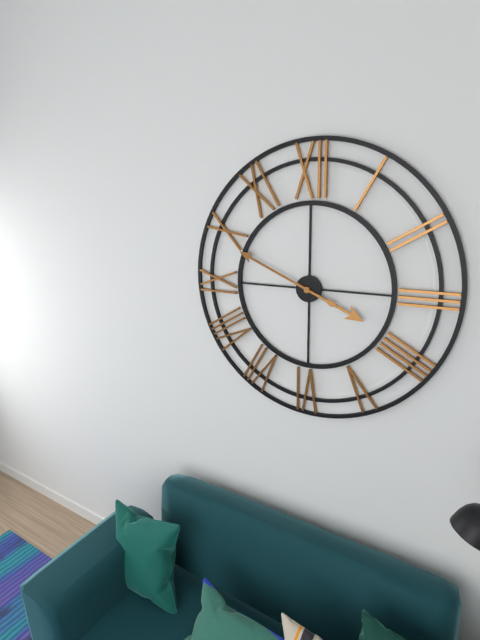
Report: 3 h 49 min
